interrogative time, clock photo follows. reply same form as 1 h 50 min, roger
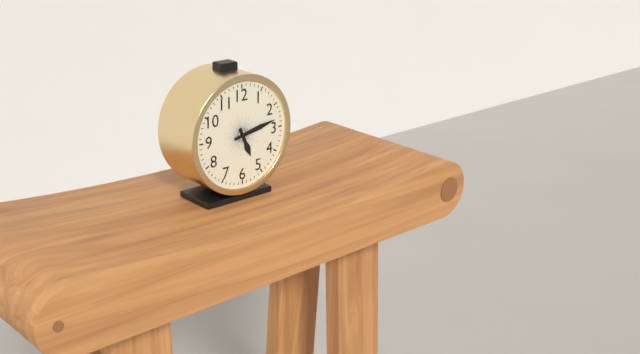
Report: 5 h 13 min
